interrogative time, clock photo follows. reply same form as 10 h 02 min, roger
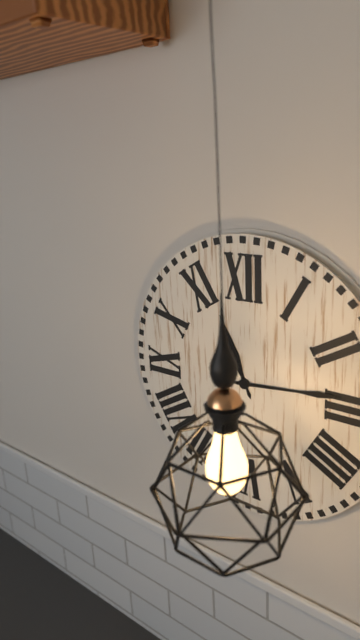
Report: 11 h 14 min
